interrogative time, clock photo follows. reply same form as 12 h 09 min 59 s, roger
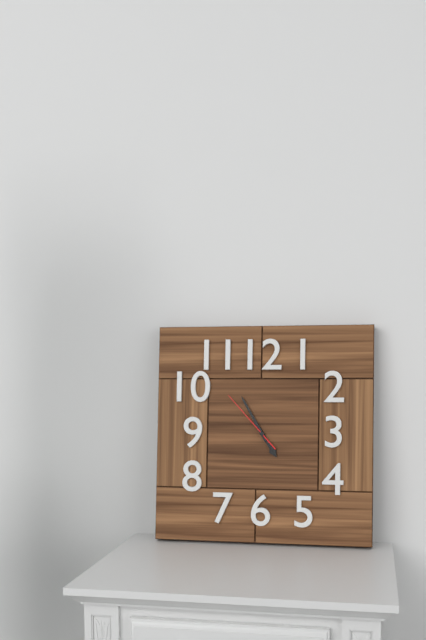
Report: 4 h 55 min 53 s
